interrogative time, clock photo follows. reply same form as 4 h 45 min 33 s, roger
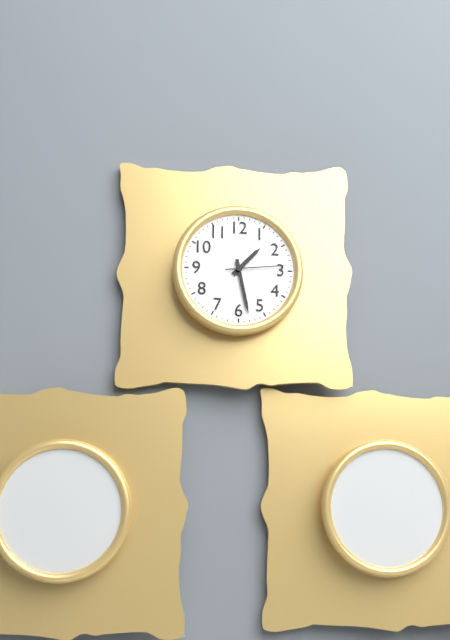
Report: 1 h 28 min 14 s
